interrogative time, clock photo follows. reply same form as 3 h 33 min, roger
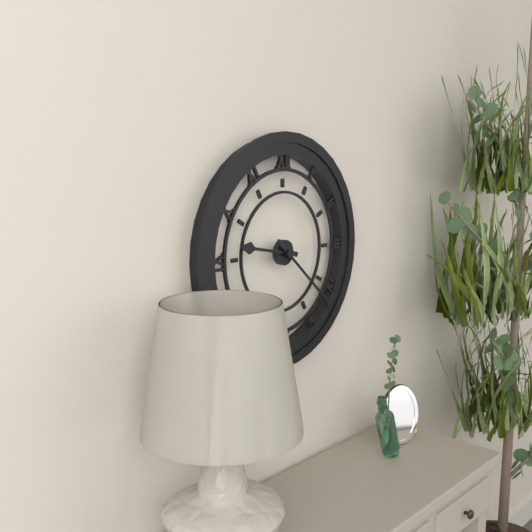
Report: 9 h 22 min
